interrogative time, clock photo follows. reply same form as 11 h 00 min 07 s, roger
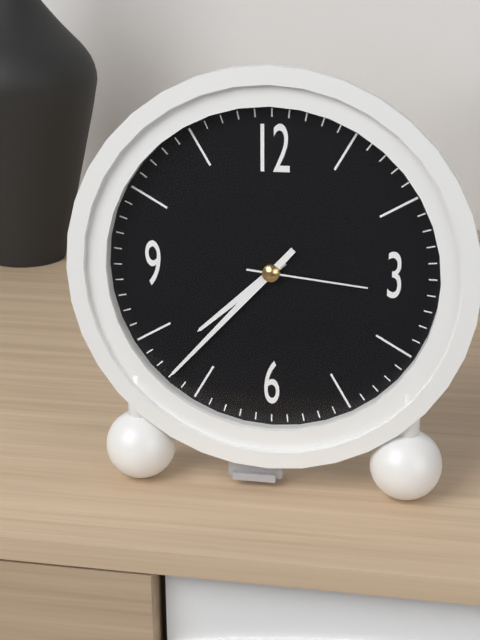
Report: 7 h 37 min 16 s
